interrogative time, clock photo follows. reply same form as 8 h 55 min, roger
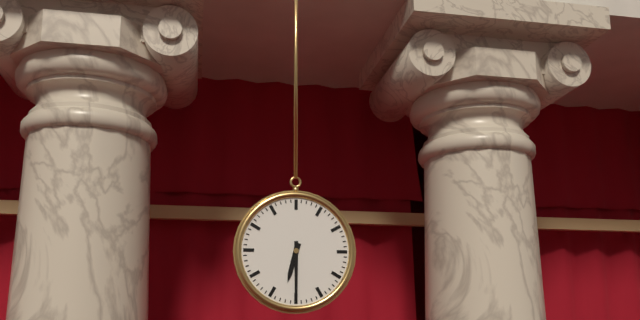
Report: 6 h 30 min
